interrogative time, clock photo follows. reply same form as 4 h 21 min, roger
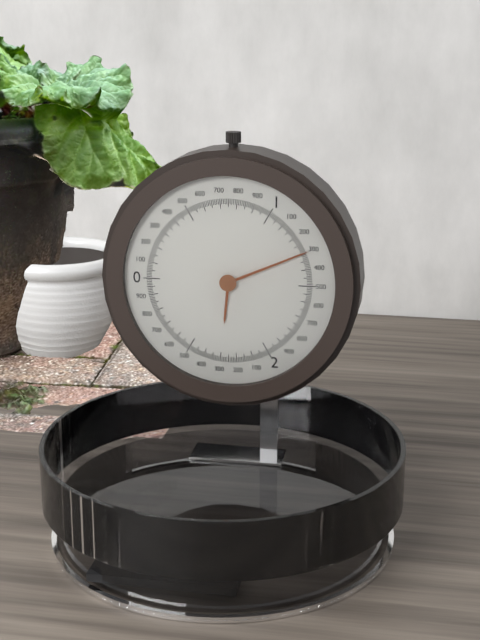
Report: 6 h 11 min
